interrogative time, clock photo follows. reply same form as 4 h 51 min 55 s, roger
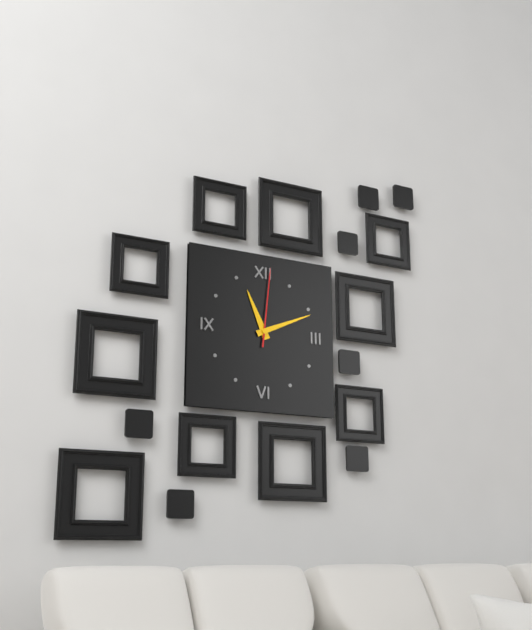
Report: 11 h 11 min 01 s
